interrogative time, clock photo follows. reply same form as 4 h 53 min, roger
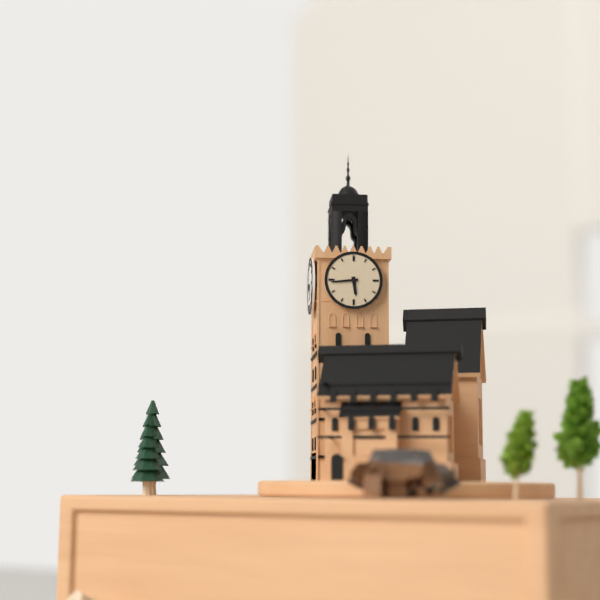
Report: 5 h 44 min
